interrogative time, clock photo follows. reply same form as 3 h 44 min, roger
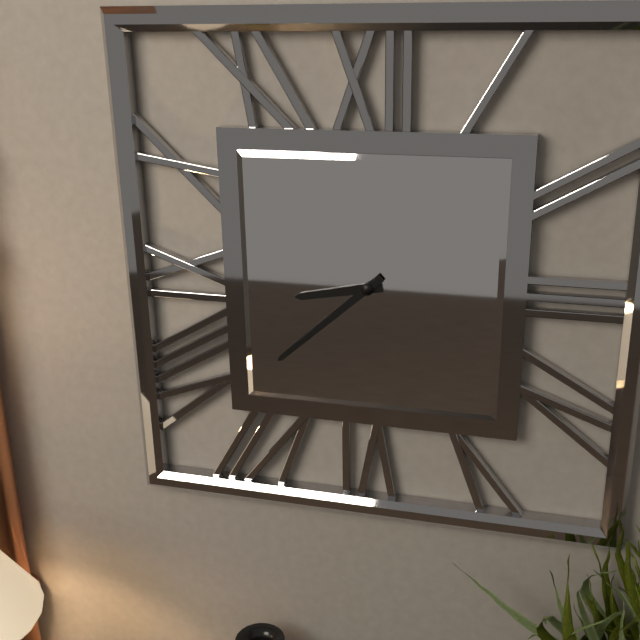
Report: 8 h 38 min
